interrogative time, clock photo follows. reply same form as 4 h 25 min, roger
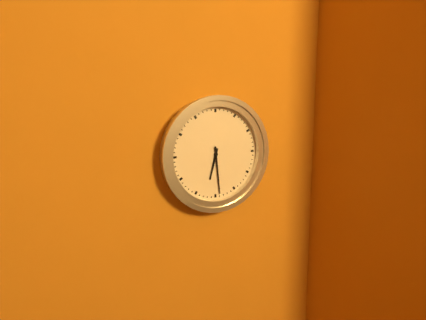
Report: 6 h 29 min
